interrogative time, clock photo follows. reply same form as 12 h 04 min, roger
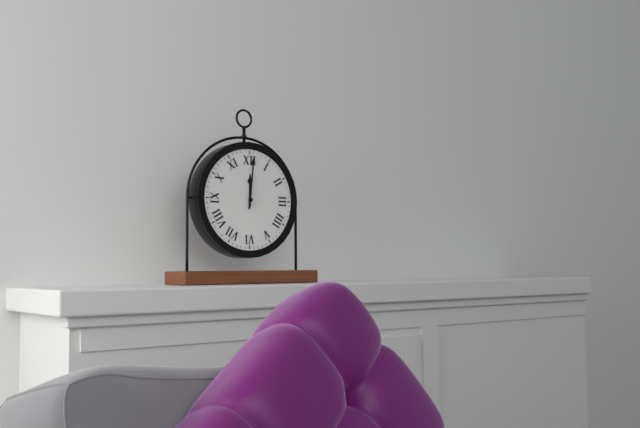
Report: 12 h 01 min
